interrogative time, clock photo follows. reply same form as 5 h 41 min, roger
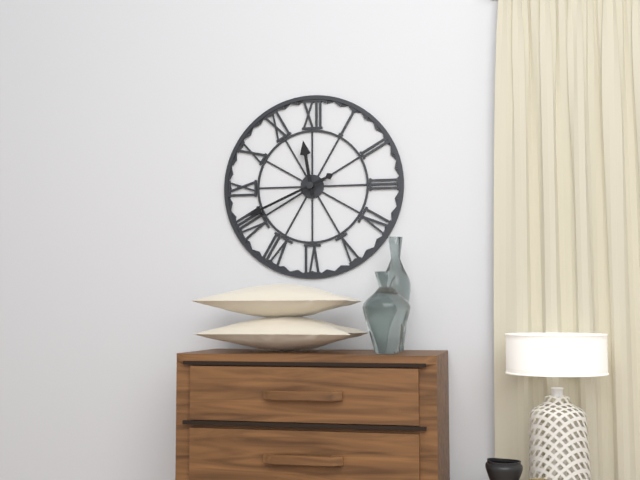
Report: 11 h 41 min
